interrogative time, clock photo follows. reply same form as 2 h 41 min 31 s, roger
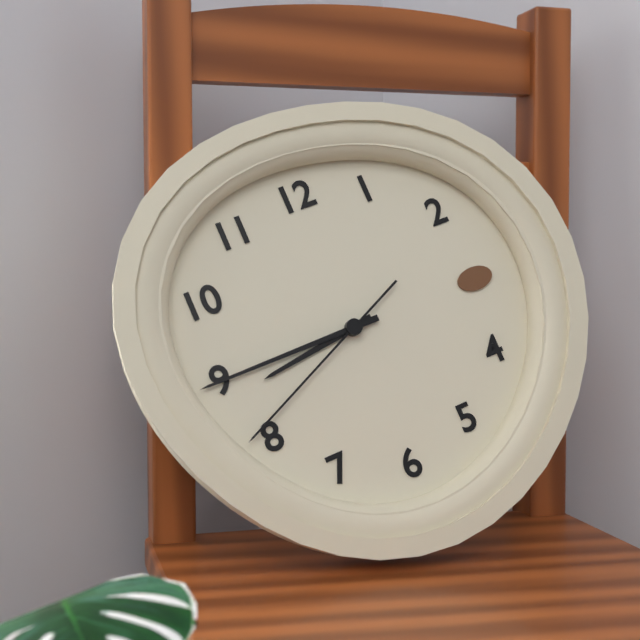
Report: 8 h 45 min 41 s
